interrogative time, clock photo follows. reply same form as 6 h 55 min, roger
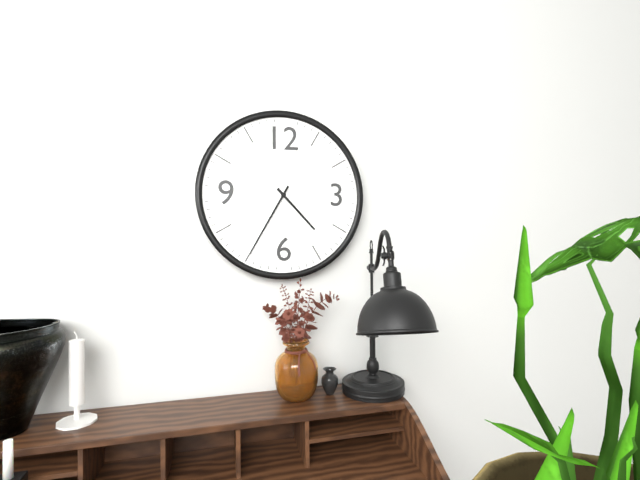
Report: 4 h 35 min
